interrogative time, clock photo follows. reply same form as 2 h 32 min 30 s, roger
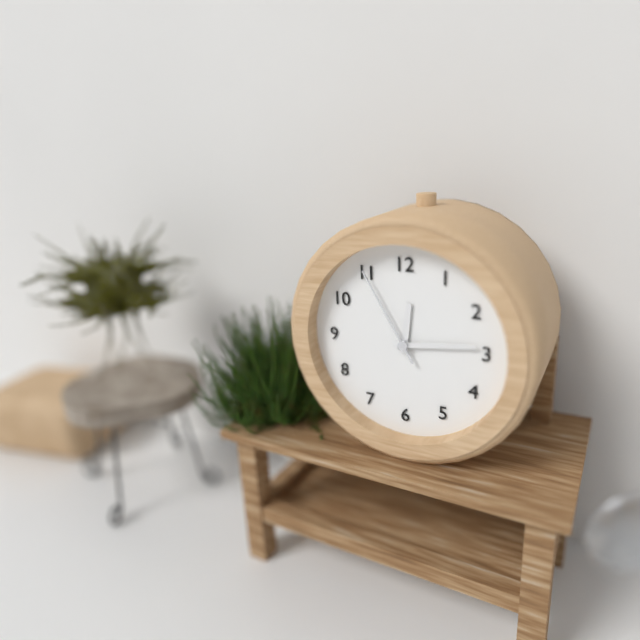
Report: 12 h 14 min 55 s
